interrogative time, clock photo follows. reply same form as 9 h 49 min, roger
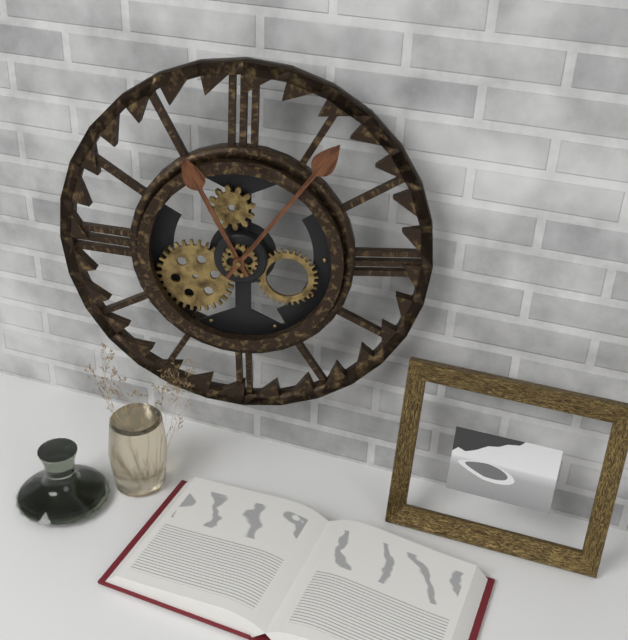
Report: 11 h 06 min
